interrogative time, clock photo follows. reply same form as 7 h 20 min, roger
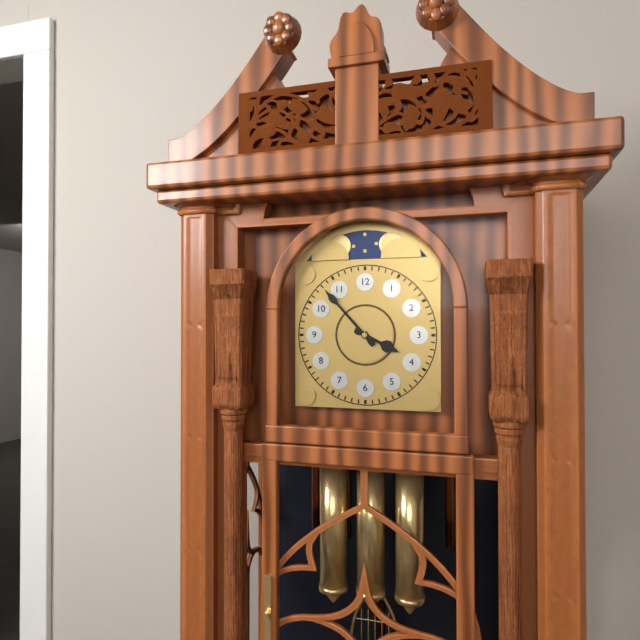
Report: 3 h 53 min
